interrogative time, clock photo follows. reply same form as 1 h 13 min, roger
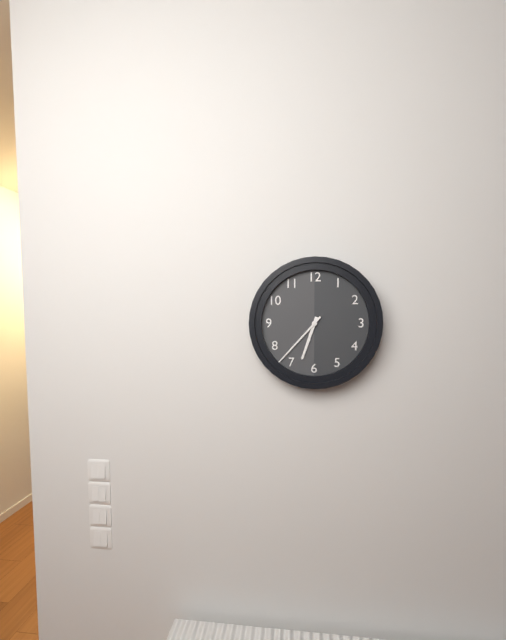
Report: 6 h 37 min
